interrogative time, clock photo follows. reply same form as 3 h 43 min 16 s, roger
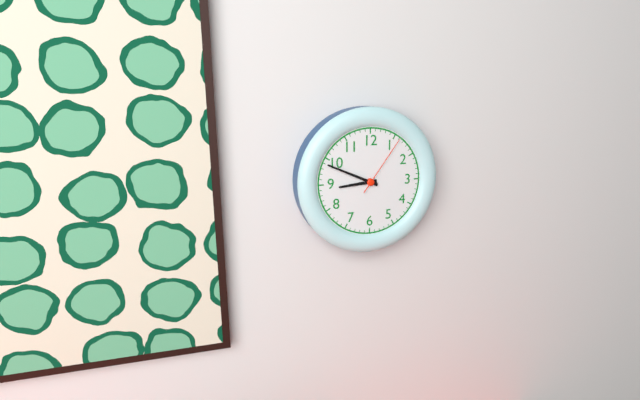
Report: 8 h 49 min 06 s
